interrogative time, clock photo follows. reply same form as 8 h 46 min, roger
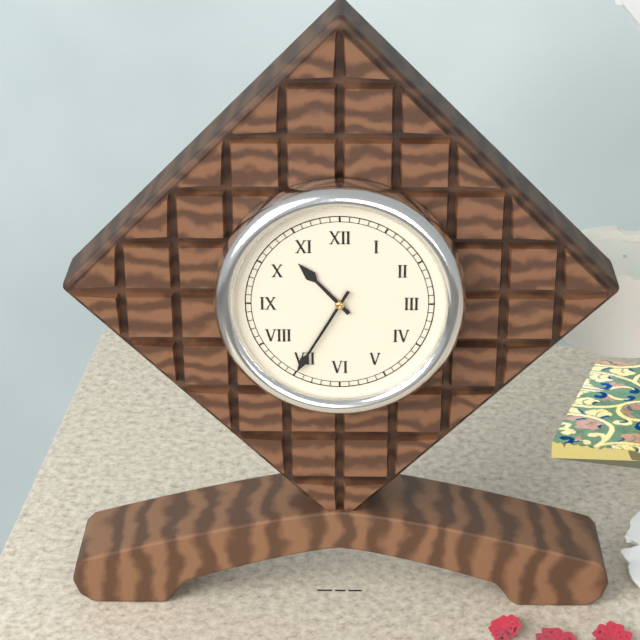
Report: 10 h 35 min
